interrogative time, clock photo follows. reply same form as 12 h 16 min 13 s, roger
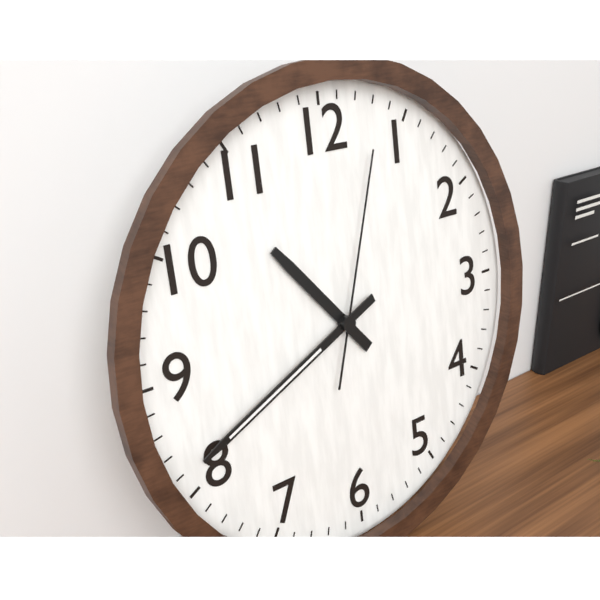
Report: 10 h 41 min 03 s
